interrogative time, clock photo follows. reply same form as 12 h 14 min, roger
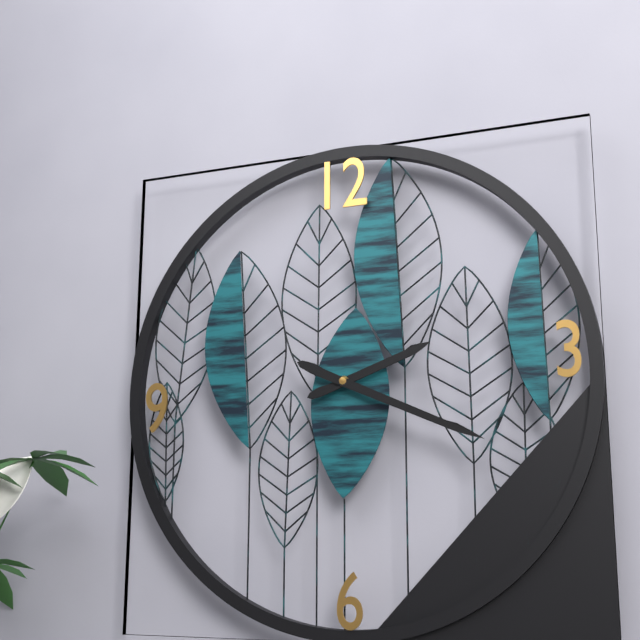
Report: 2 h 19 min
